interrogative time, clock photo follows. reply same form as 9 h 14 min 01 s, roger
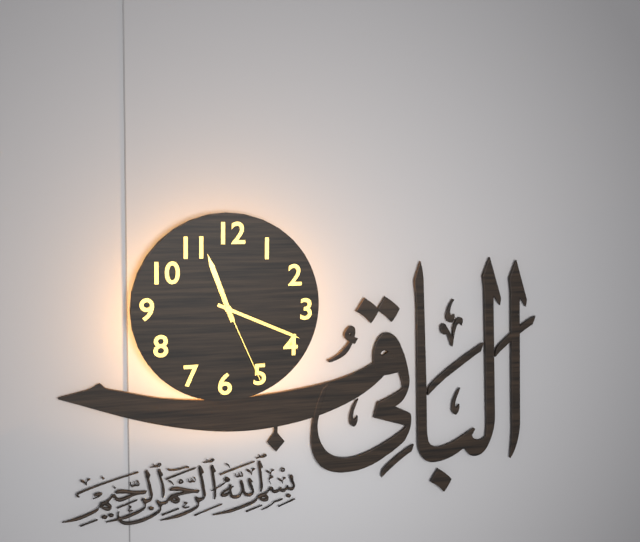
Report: 11 h 19 min 26 s
